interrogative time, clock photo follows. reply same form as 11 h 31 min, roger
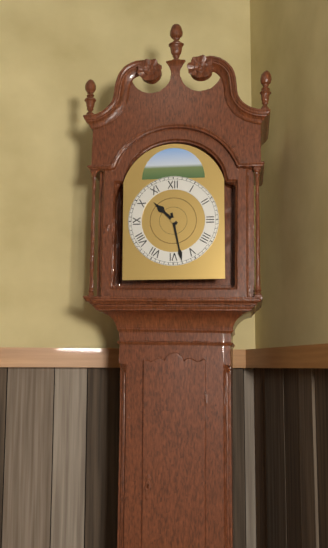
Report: 10 h 28 min
